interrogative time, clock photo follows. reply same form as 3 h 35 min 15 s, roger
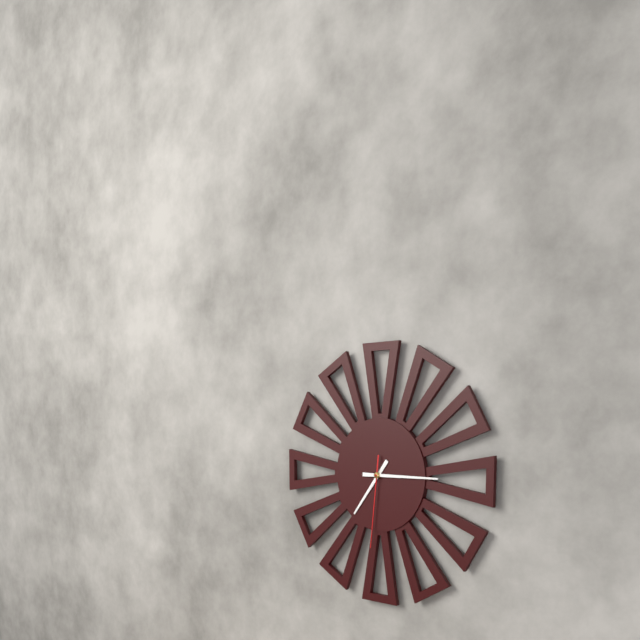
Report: 7 h 15 min 31 s
